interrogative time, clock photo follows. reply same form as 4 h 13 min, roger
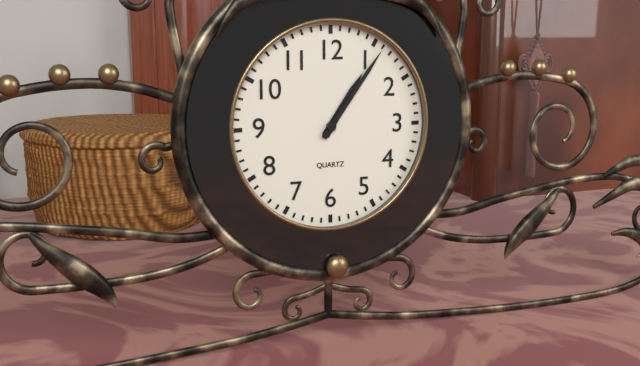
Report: 1 h 06 min
